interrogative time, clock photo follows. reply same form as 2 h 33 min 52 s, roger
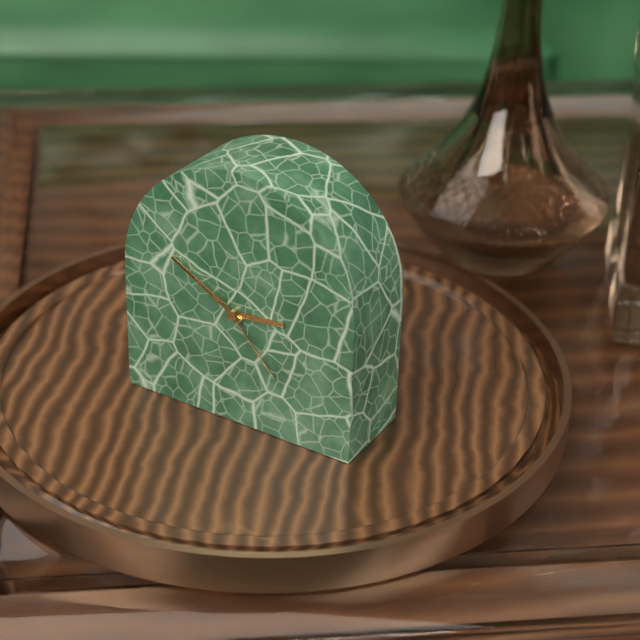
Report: 2 h 50 min 23 s
